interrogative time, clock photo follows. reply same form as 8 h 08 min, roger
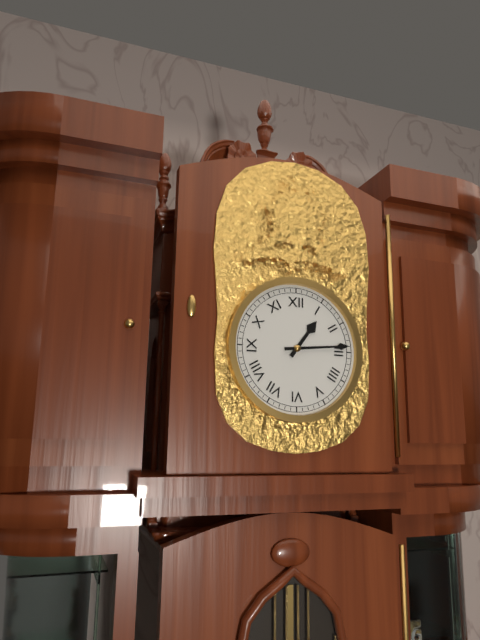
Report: 1 h 14 min
